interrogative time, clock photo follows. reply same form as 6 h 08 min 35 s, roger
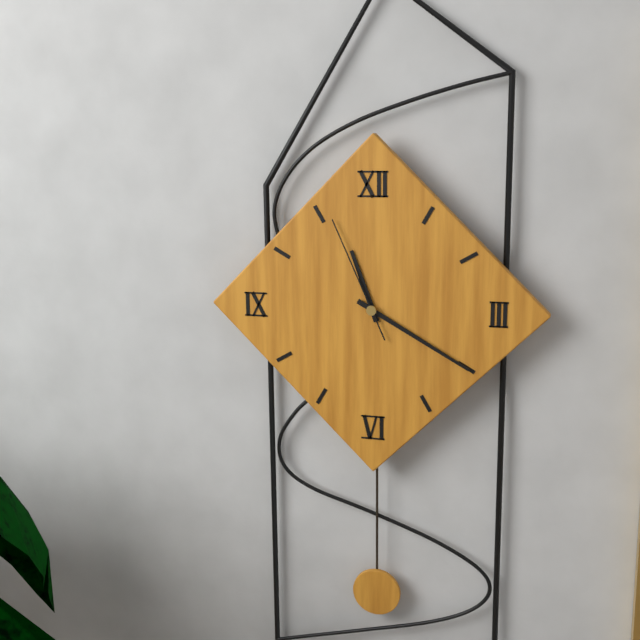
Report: 11 h 20 min 56 s
